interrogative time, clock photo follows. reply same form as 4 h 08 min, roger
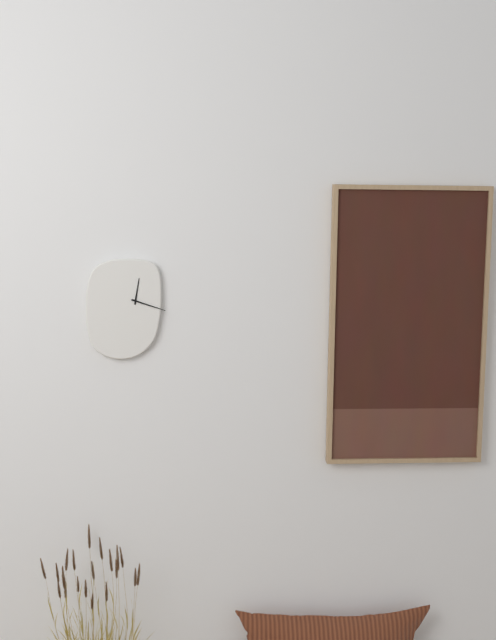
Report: 12 h 18 min
